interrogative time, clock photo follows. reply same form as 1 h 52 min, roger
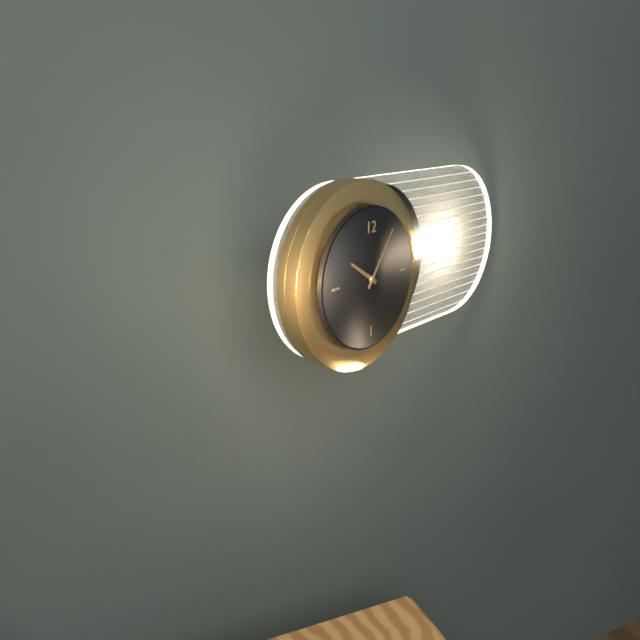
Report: 10 h 06 min
